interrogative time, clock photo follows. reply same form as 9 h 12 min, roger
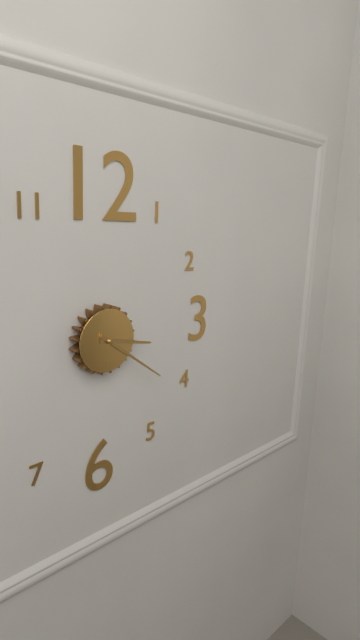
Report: 3 h 21 min
